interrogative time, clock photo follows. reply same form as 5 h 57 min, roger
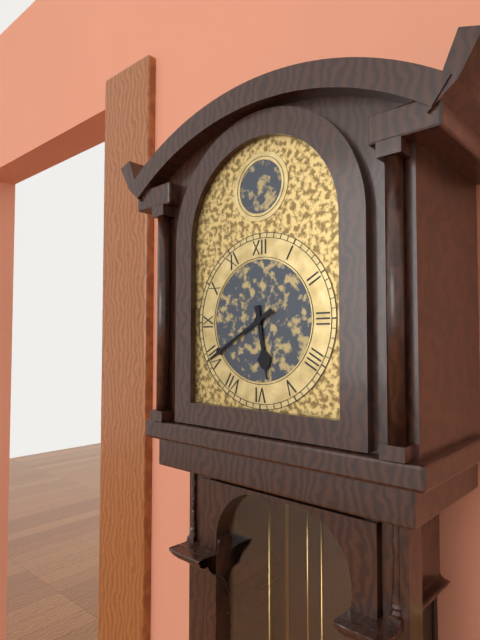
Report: 5 h 40 min
